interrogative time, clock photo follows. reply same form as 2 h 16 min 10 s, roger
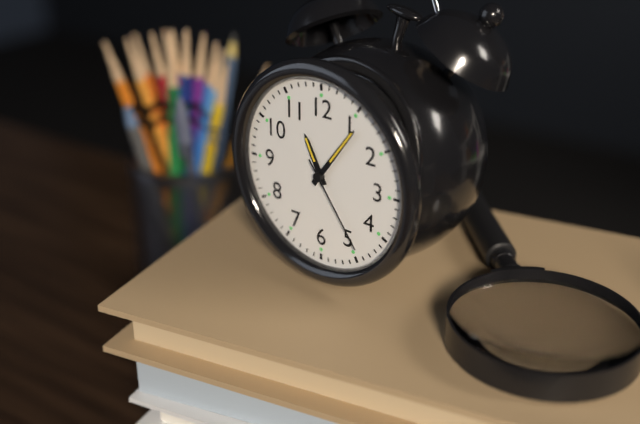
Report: 11 h 06 min 24 s
